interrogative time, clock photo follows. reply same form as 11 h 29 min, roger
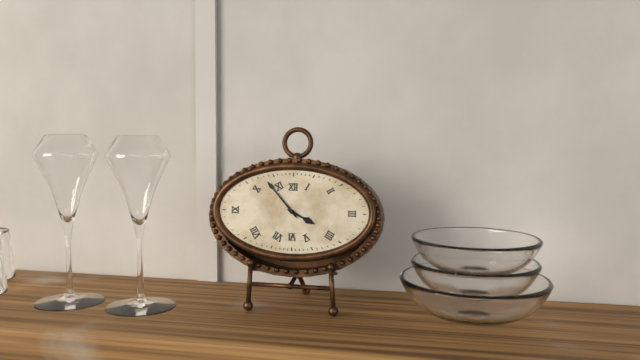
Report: 3 h 53 min
